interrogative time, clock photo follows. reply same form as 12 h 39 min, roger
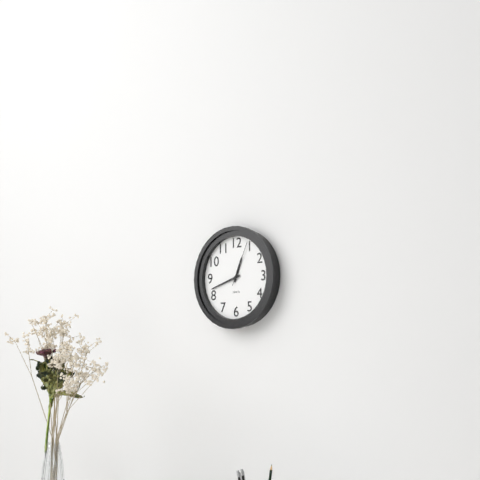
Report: 12 h 42 min
